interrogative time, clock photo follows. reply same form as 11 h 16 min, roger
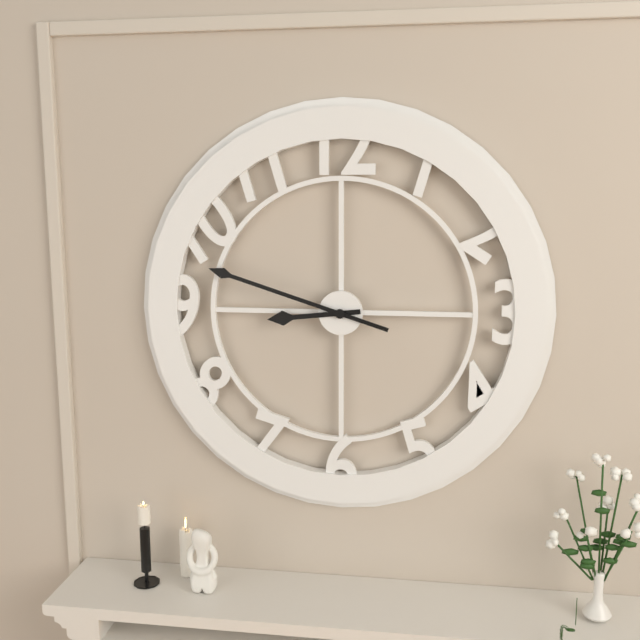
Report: 8 h 48 min
